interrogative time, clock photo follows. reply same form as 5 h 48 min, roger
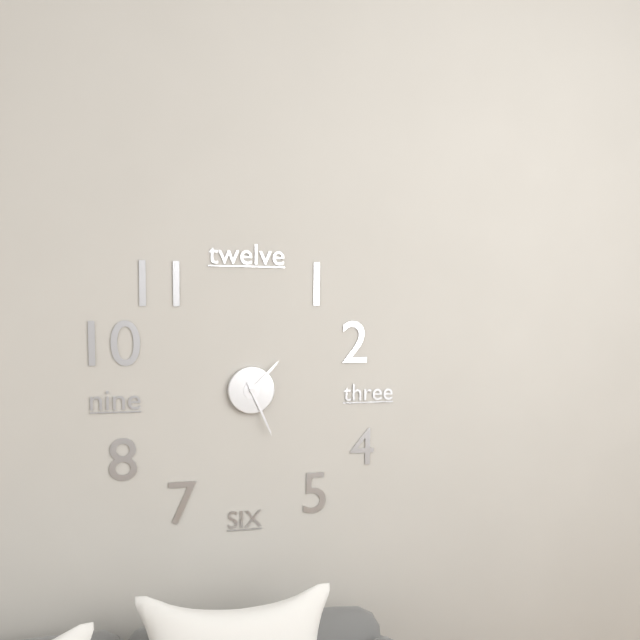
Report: 1 h 26 min
